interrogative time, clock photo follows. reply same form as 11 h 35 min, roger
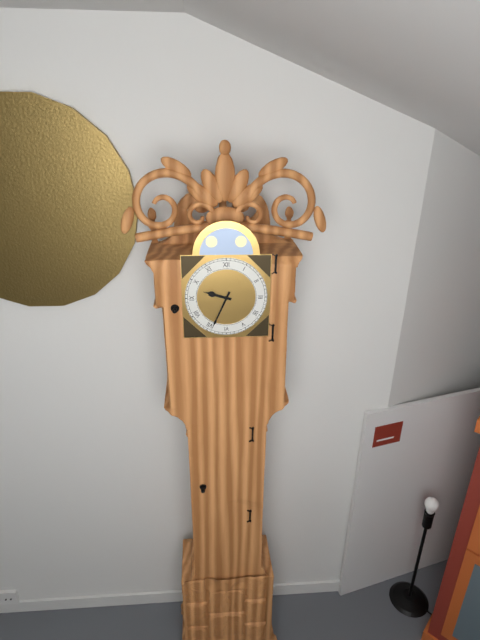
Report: 9 h 34 min
